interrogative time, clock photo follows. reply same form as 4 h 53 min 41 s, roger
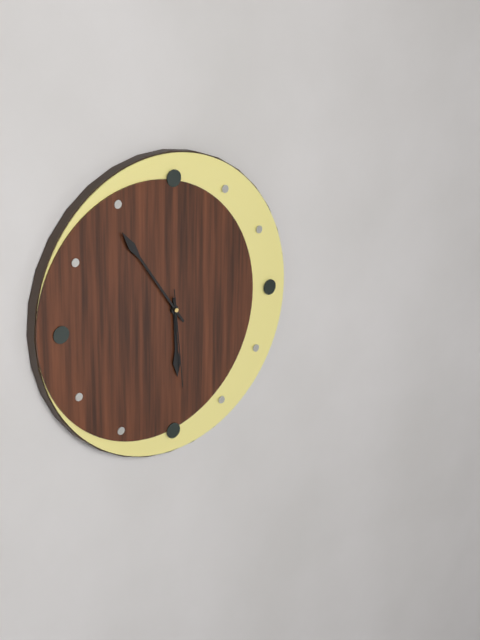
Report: 5 h 54 min 29 s
